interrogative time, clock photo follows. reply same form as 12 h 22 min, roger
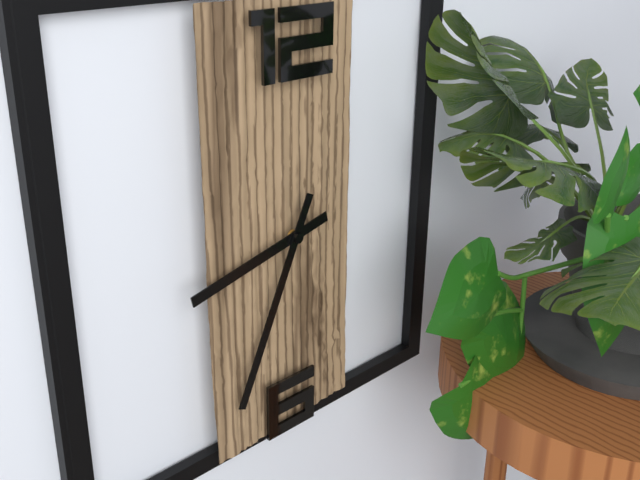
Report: 8 h 34 min
